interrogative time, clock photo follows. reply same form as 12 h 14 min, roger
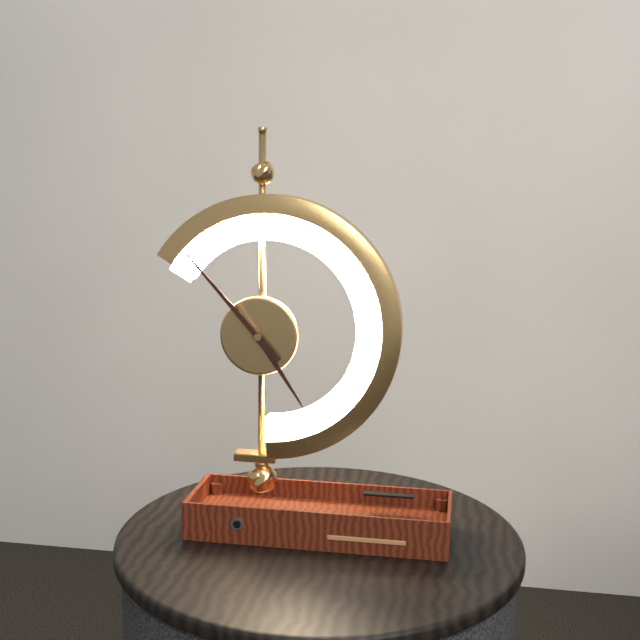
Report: 4 h 53 min
